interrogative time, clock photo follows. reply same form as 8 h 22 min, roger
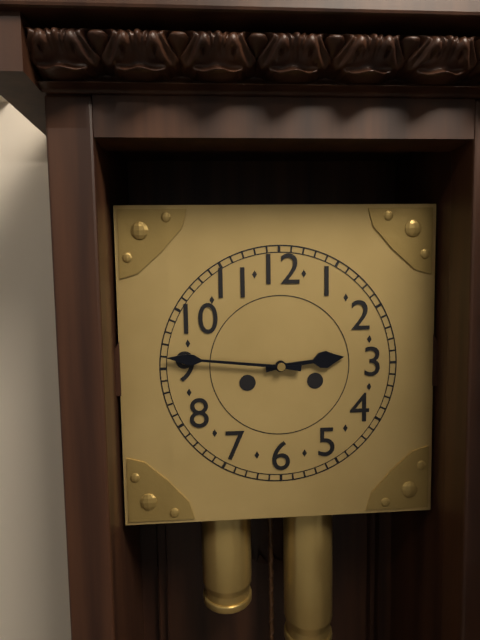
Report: 2 h 46 min
